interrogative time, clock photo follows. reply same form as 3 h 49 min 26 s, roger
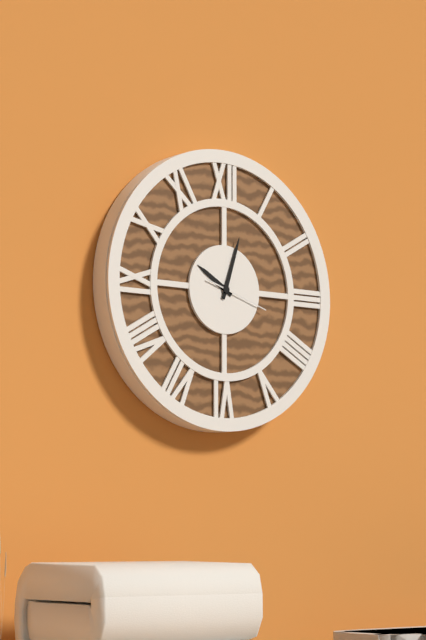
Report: 10 h 03 min 18 s
